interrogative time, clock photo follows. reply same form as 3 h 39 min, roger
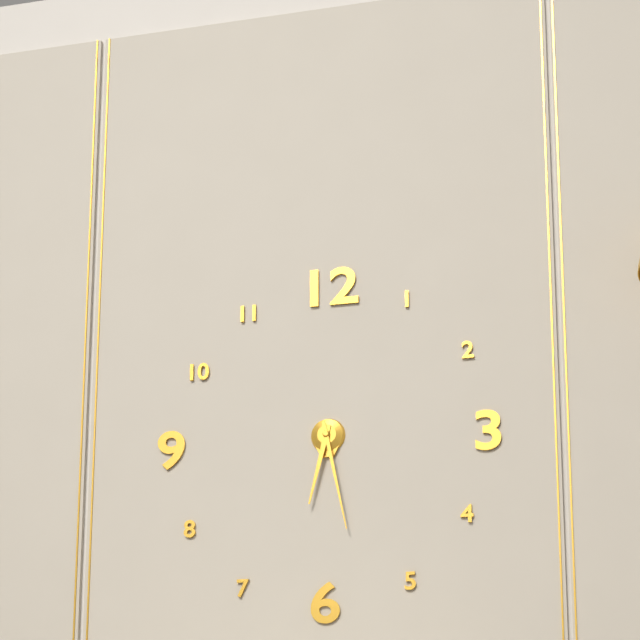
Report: 6 h 28 min
